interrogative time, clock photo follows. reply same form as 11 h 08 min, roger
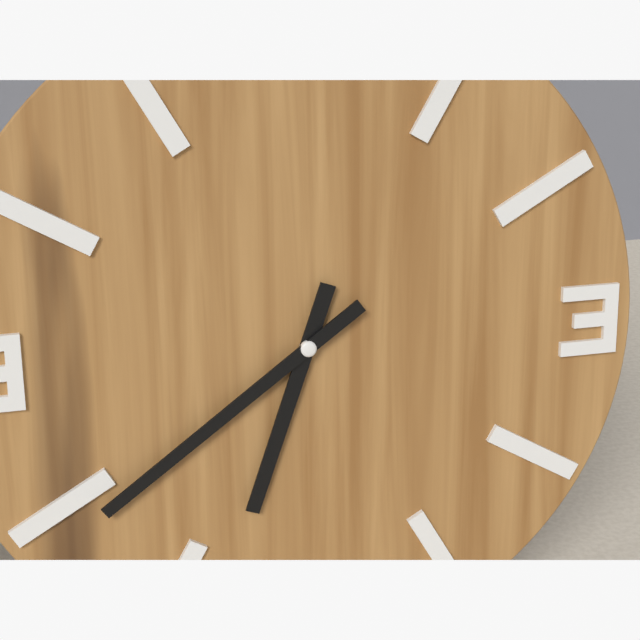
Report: 6 h 39 min
